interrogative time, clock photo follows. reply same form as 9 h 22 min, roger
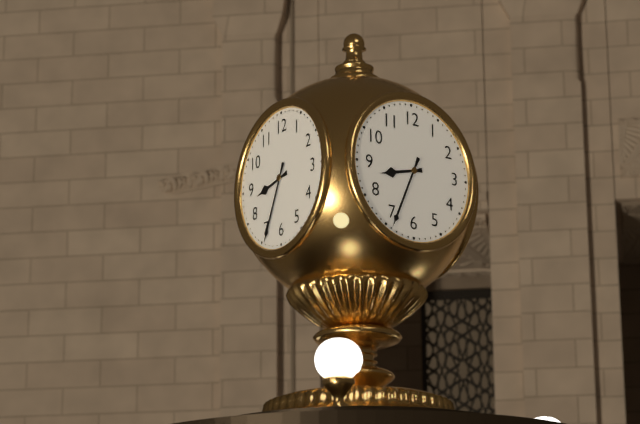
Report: 8 h 34 min
